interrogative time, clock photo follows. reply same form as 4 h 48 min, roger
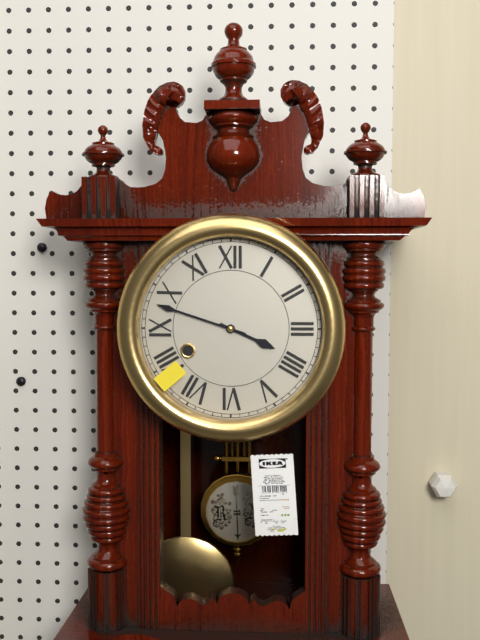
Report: 3 h 48 min
